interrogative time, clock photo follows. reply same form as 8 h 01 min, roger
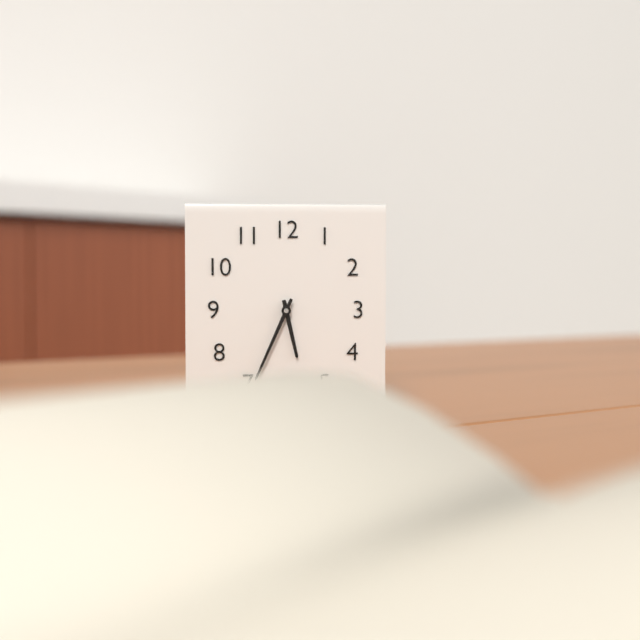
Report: 5 h 34 min
